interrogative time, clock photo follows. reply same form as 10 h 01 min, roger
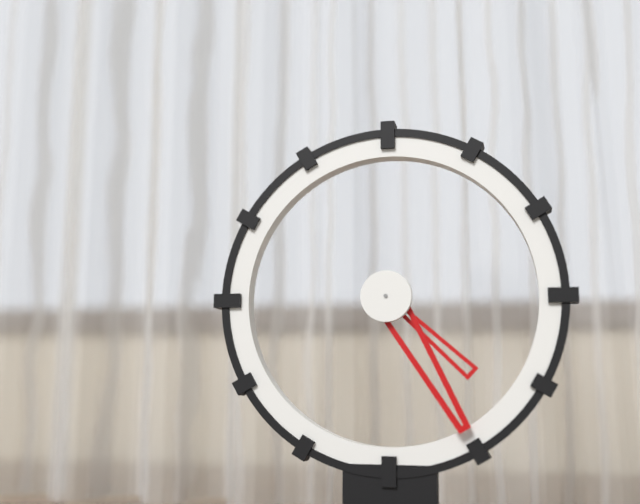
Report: 4 h 25 min
